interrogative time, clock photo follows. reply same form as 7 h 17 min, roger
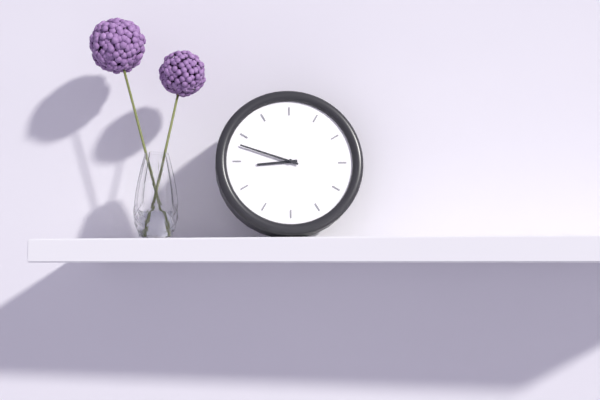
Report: 8 h 48 min
